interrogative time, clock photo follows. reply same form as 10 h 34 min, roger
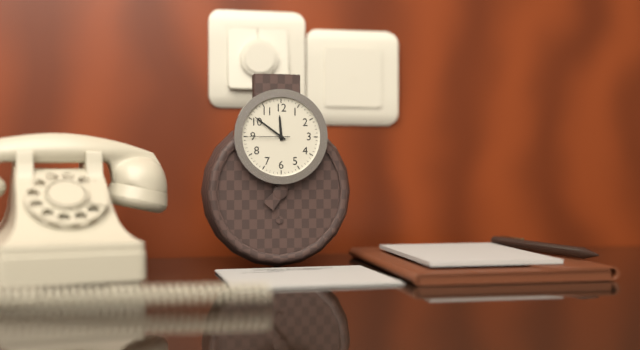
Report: 11 h 51 min
